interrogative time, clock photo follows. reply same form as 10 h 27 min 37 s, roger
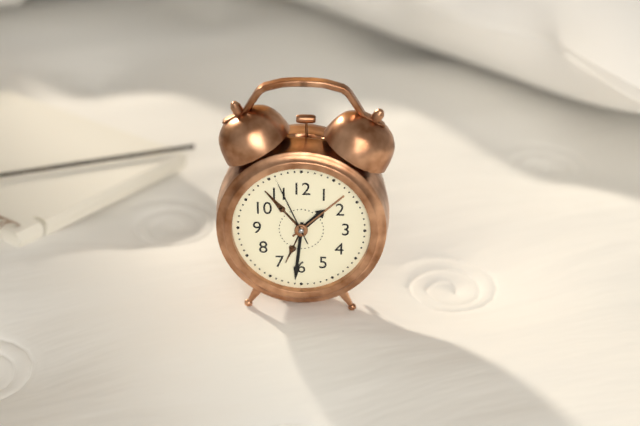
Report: 1 h 31 min 56 s
